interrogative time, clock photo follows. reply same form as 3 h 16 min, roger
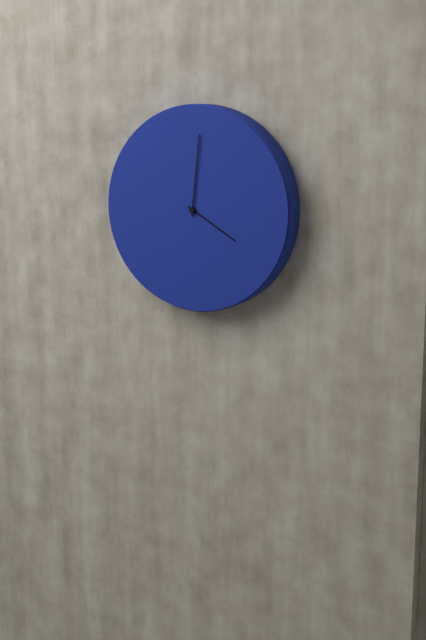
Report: 4 h 01 min
